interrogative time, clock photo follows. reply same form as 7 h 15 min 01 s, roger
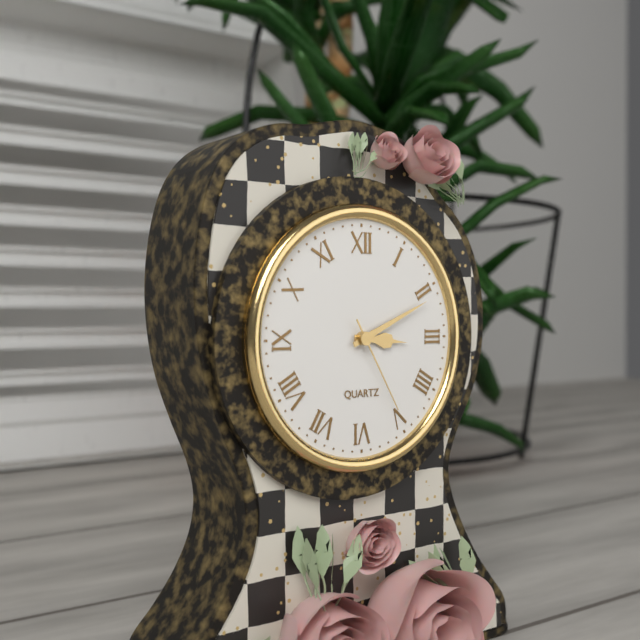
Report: 3 h 11 min 25 s
